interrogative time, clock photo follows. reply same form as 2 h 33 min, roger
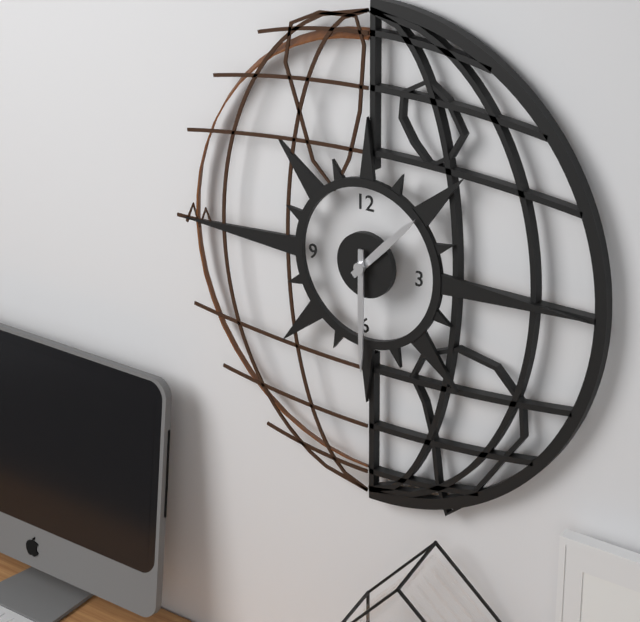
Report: 1 h 30 min
